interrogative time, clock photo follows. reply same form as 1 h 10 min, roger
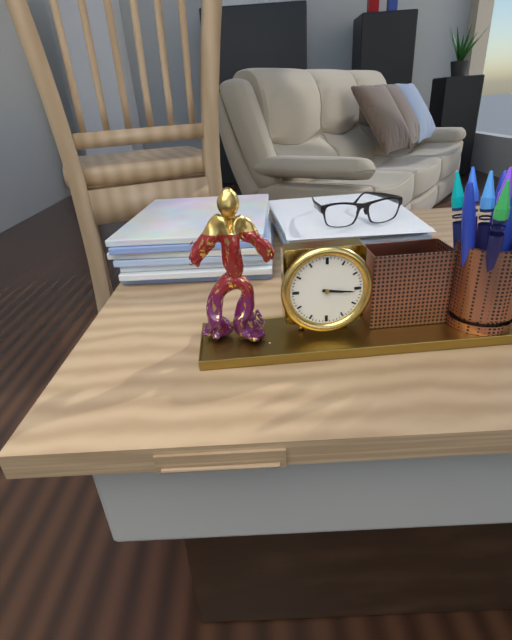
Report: 3 h 16 min
